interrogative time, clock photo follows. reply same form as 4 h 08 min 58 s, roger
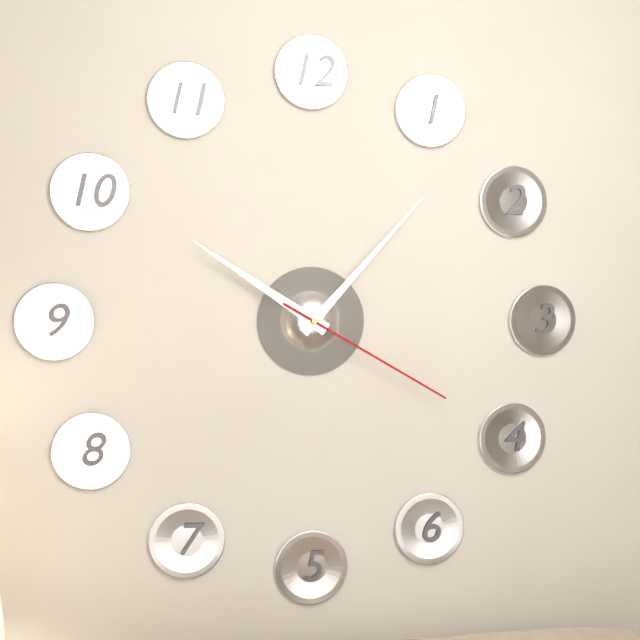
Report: 10 h 07 min 20 s
